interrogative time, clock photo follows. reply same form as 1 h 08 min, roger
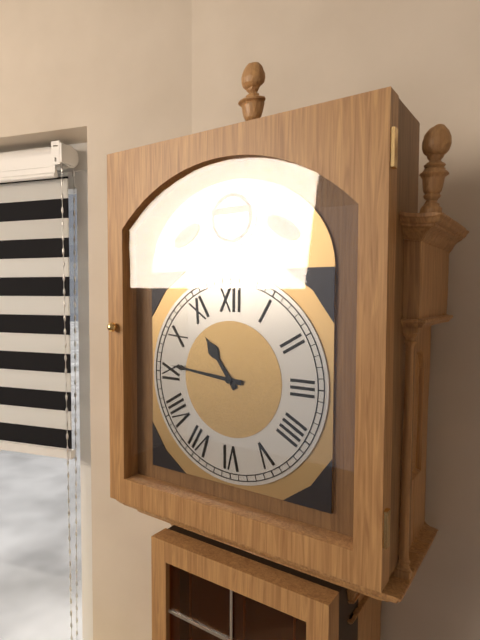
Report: 10 h 46 min
